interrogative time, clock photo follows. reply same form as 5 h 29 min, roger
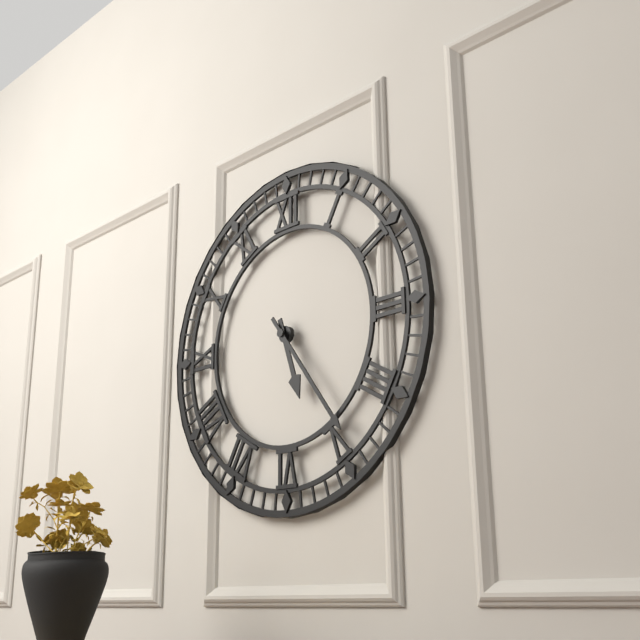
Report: 5 h 24 min
